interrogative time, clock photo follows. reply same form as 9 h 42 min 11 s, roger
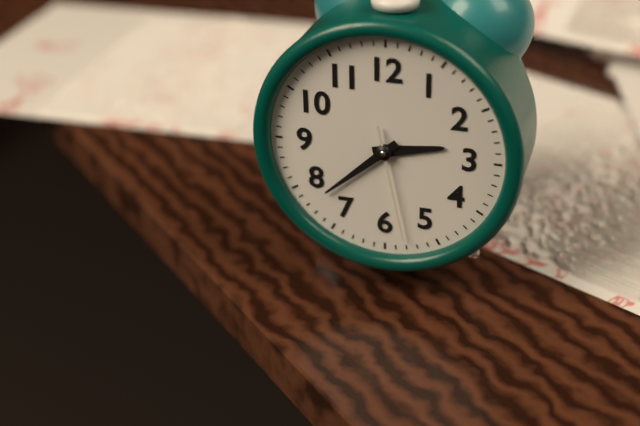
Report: 2 h 38 min 28 s
